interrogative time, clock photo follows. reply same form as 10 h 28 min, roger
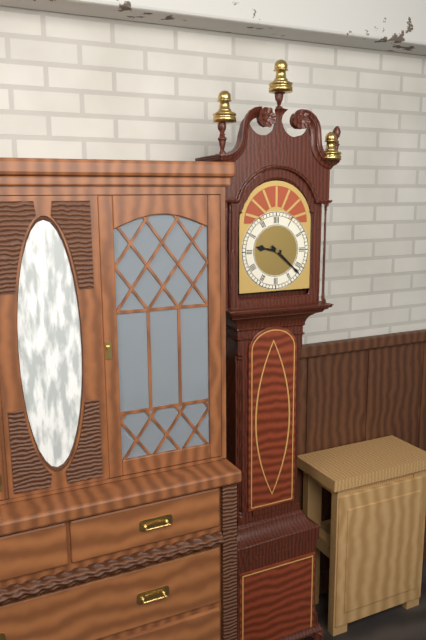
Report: 9 h 22 min
